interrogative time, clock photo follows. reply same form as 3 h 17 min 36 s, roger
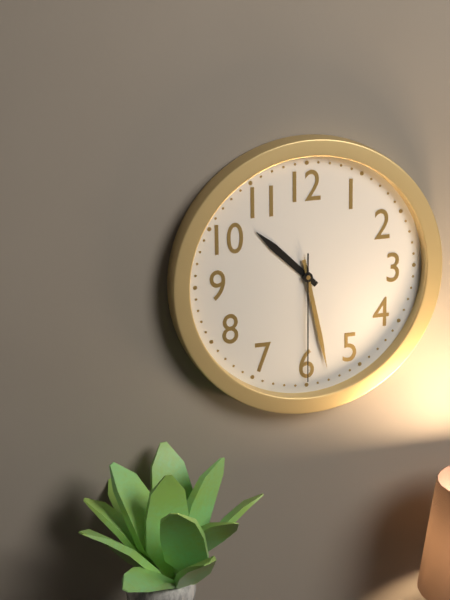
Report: 10 h 28 min 30 s
